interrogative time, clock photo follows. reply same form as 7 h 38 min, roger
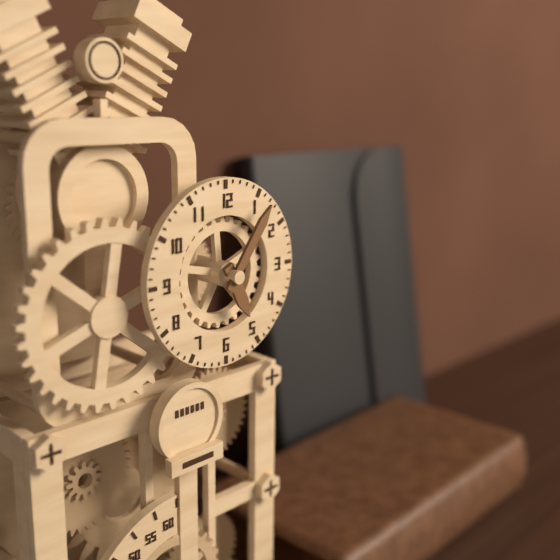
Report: 5 h 06 min
